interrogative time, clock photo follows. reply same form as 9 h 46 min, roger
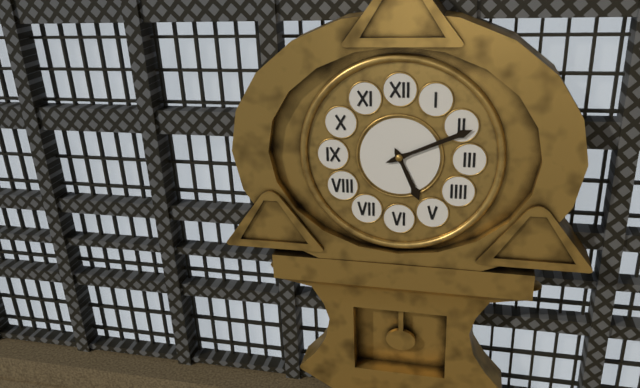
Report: 5 h 11 min
